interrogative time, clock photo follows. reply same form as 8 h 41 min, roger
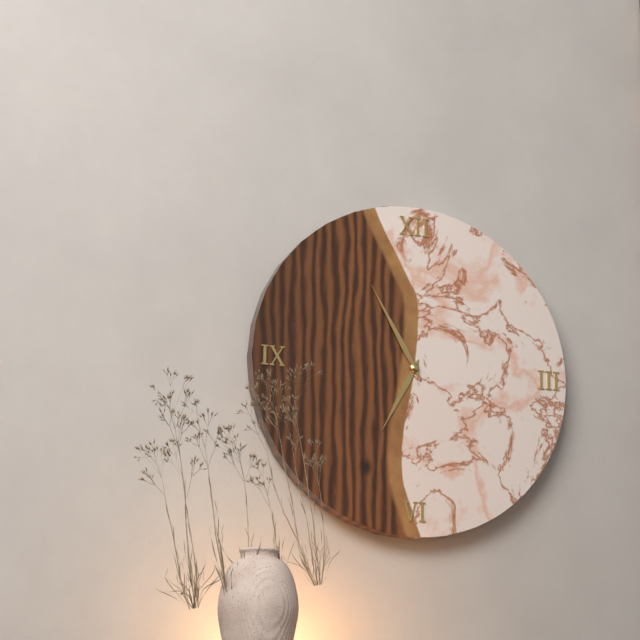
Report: 6 h 55 min
